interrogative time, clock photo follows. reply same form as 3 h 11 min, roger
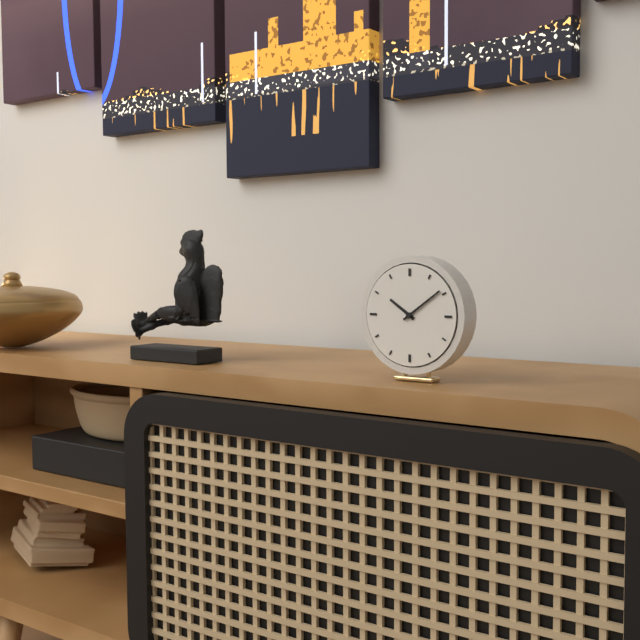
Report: 10 h 09 min
